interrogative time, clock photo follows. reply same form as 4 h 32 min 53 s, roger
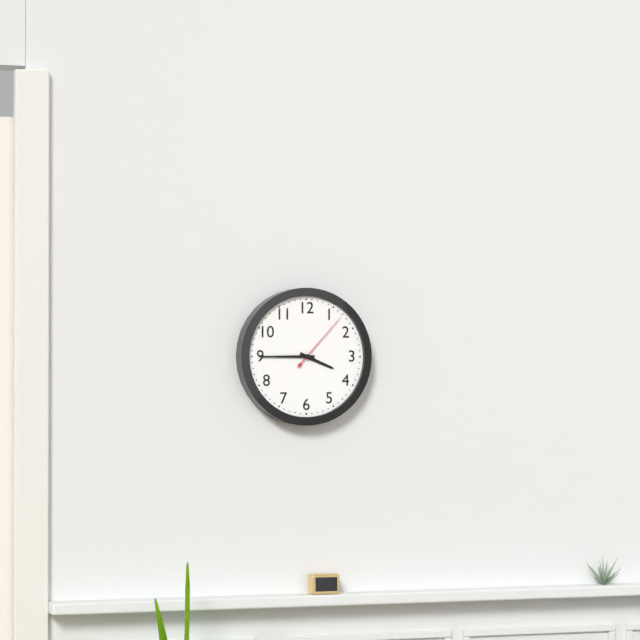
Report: 3 h 45 min 07 s
